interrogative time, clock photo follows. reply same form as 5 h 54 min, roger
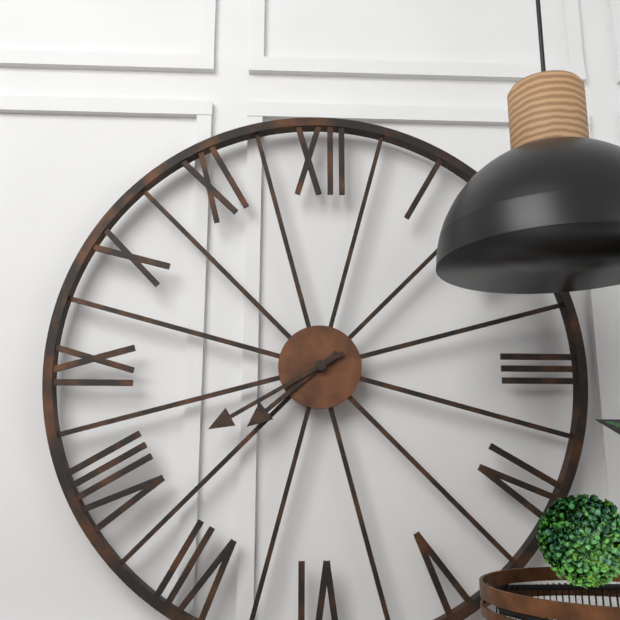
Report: 7 h 40 min
